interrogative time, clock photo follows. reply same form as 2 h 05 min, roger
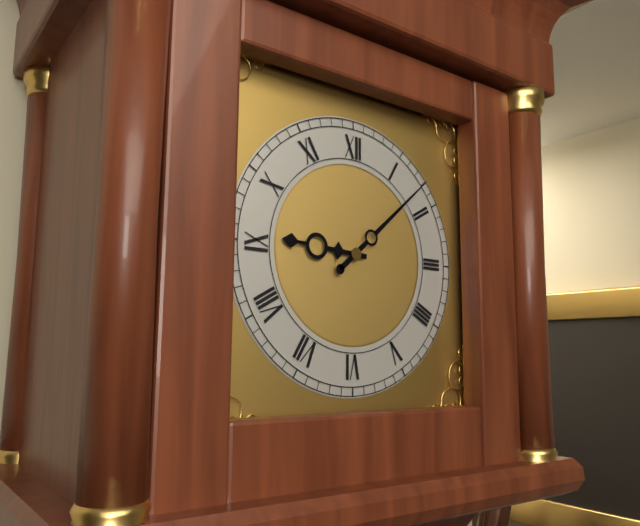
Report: 9 h 08 min
